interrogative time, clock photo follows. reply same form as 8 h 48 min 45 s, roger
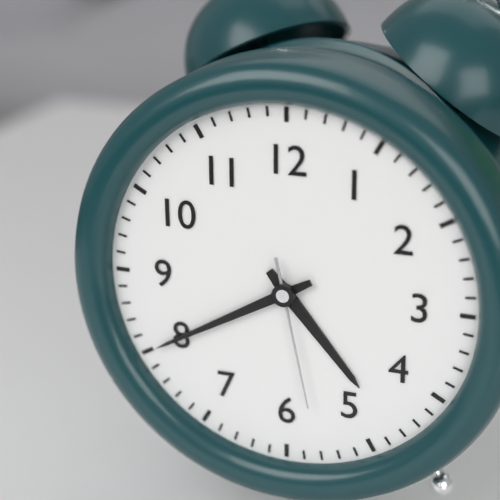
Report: 4 h 40 min 28 s
